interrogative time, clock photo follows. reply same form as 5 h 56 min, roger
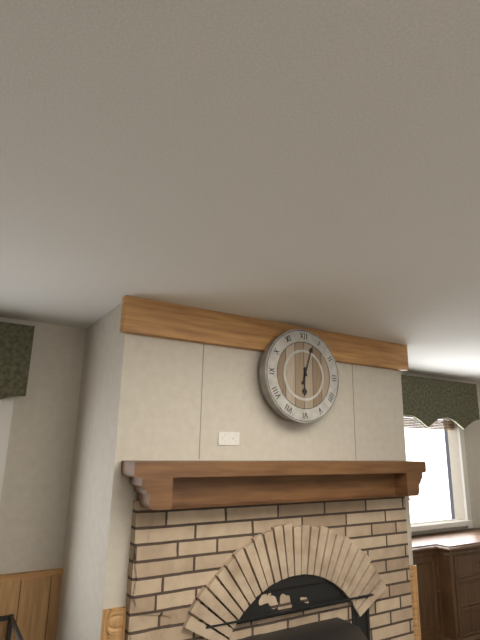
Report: 6 h 03 min
